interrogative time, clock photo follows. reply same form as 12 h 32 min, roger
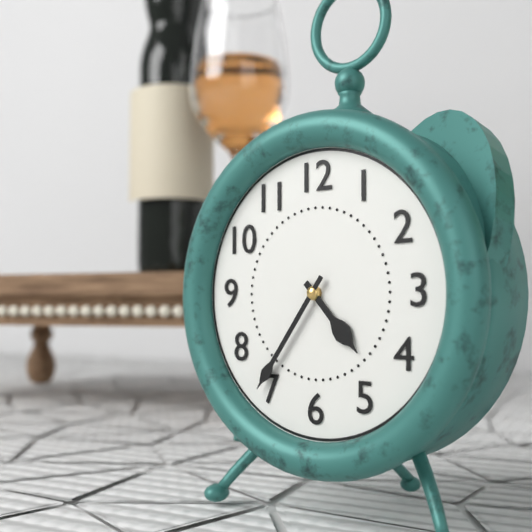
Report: 4 h 36 min
